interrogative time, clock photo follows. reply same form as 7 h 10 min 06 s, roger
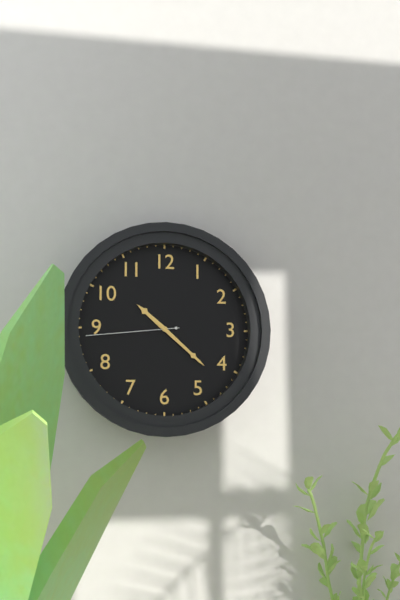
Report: 10 h 22 min 44 s
